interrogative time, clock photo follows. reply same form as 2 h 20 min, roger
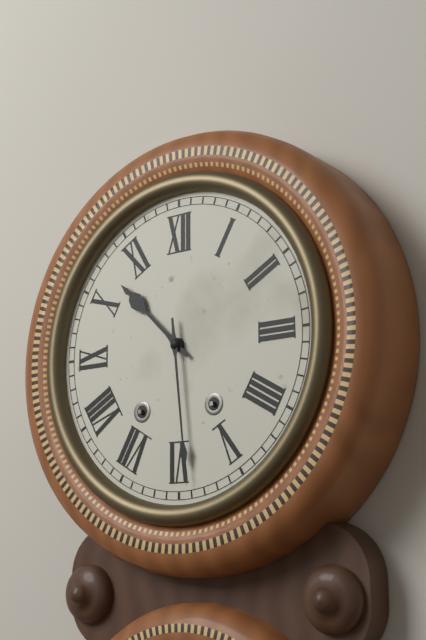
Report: 10 h 29 min
